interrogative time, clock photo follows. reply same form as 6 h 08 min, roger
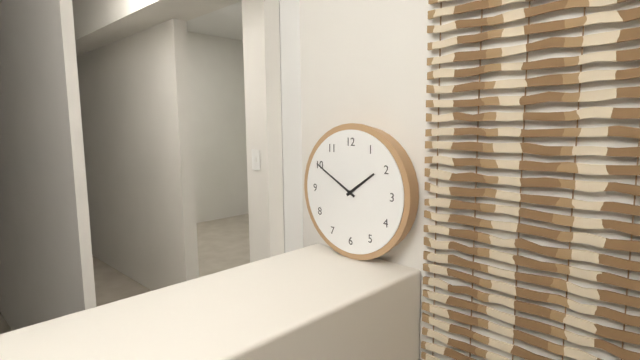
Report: 1 h 50 min
